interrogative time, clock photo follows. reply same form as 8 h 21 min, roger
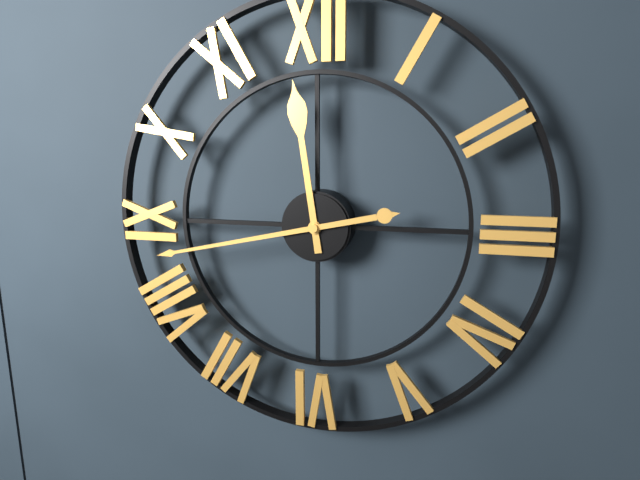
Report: 11 h 43 min
